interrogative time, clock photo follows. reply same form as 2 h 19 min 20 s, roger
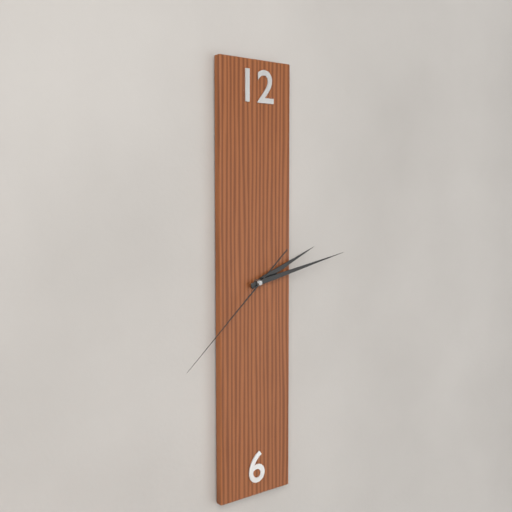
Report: 2 h 13 min 38 s
